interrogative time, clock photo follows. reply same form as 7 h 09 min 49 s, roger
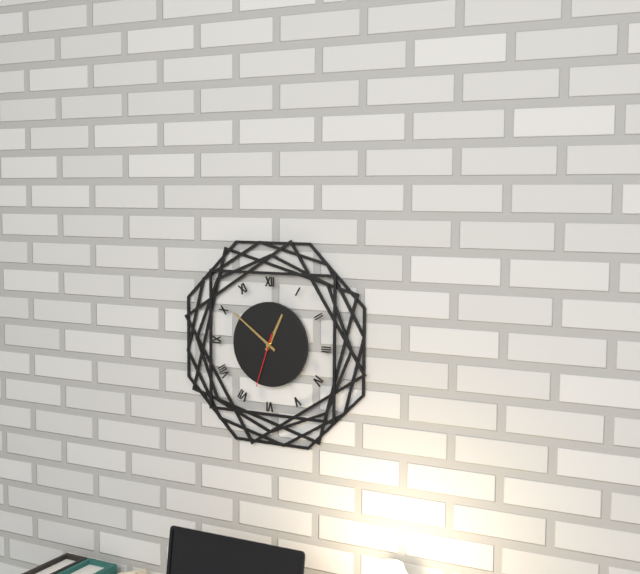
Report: 12 h 51 min 33 s
